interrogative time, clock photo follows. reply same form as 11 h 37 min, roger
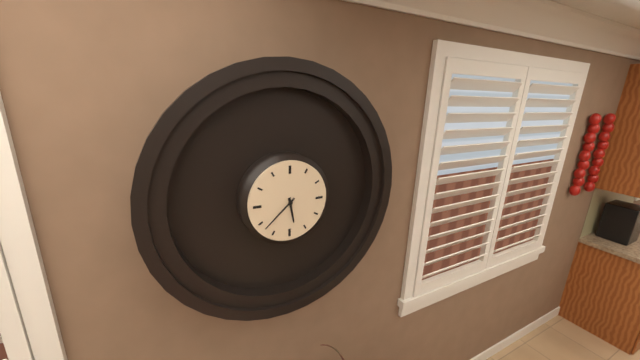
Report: 5 h 38 min
